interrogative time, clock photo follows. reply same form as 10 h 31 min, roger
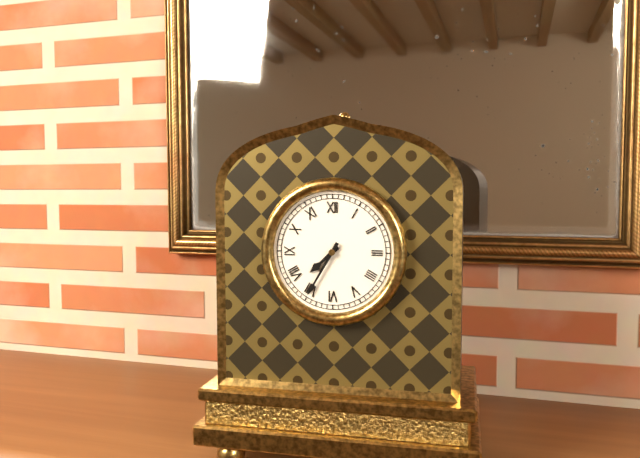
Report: 7 h 35 min
